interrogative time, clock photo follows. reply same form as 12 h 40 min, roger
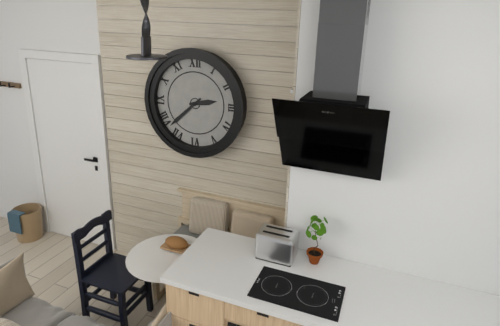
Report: 2 h 38 min
